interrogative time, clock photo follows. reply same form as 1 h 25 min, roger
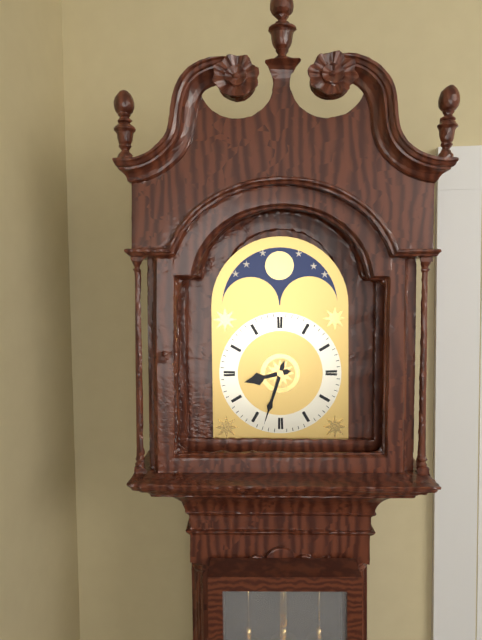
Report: 8 h 33 min
